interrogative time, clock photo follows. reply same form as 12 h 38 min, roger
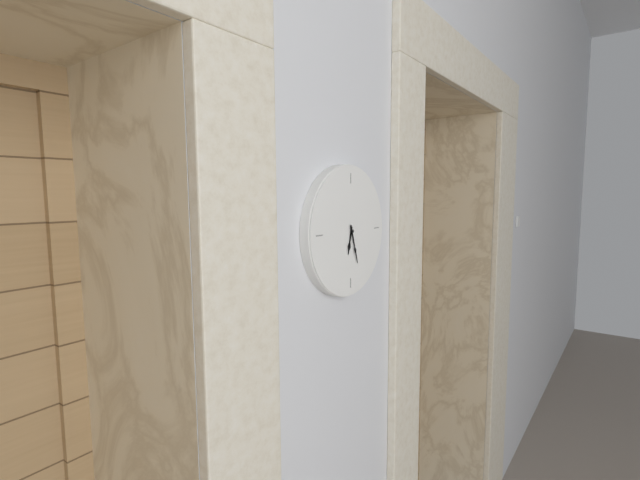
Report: 6 h 27 min
